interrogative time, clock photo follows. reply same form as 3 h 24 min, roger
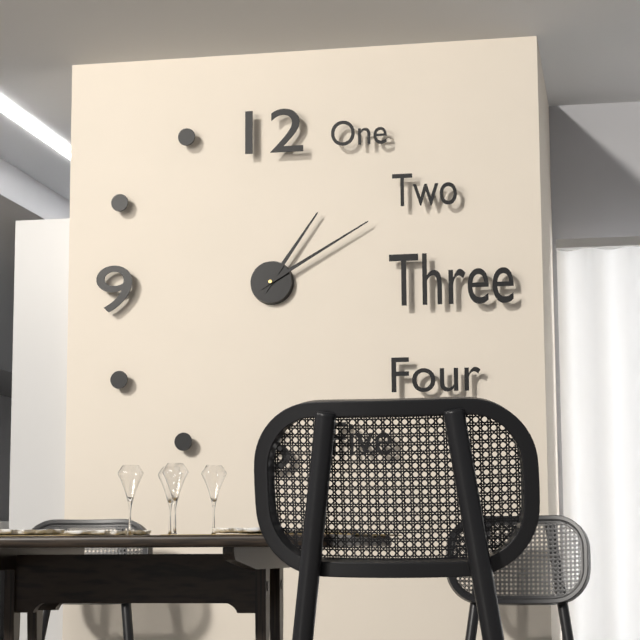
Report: 1 h 10 min
